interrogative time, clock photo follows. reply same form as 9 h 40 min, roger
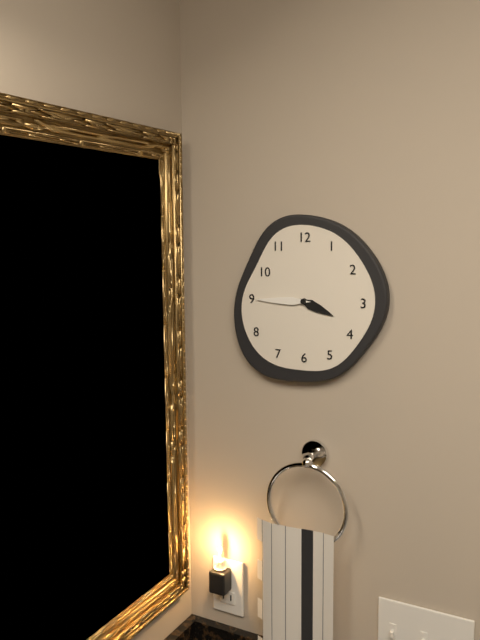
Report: 3 h 45 min
